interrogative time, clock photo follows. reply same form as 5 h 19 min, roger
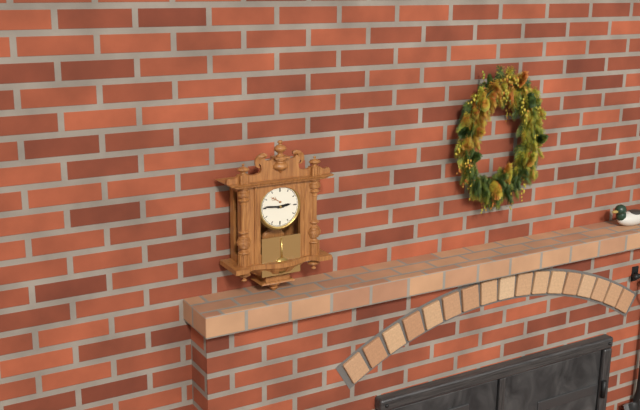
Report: 2 h 46 min
